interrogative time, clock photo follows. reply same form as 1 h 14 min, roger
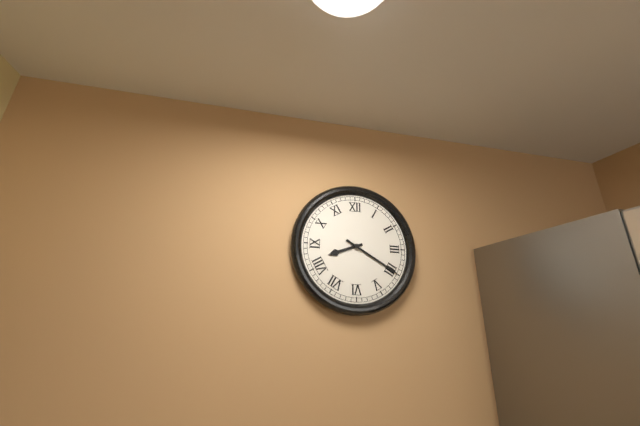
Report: 8 h 20 min
